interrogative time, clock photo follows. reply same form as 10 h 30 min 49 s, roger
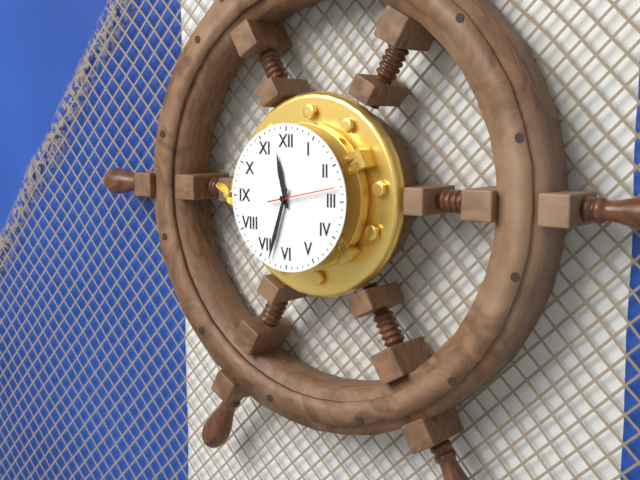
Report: 11 h 33 min 13 s
